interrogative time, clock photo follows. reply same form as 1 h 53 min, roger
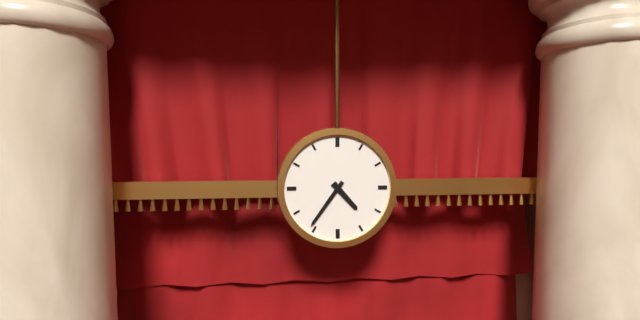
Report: 4 h 36 min
